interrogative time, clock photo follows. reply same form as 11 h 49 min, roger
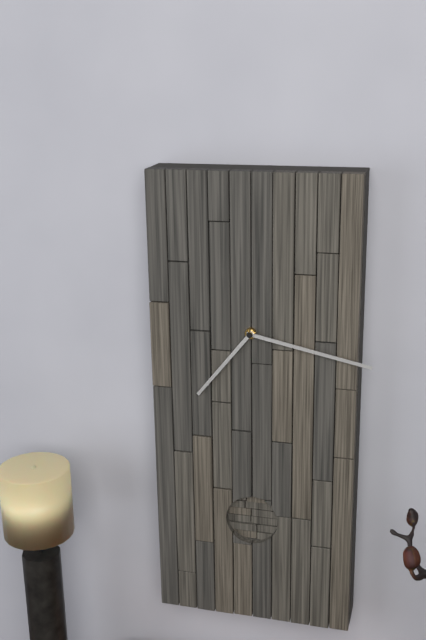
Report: 7 h 17 min
